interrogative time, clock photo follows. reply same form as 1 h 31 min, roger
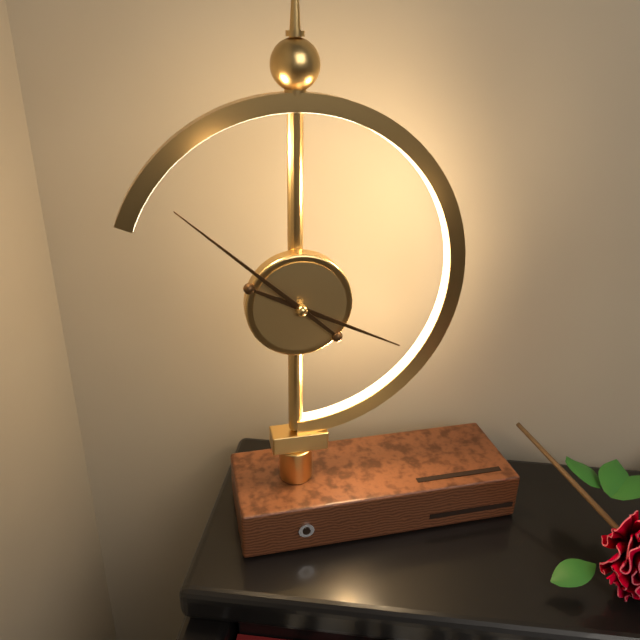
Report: 3 h 52 min
